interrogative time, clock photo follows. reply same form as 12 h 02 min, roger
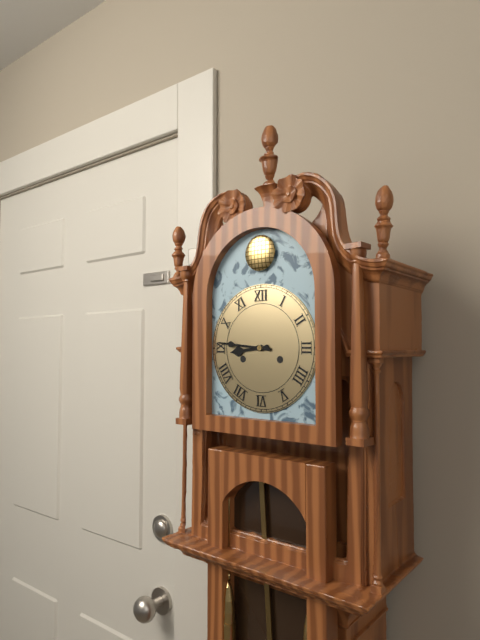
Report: 8 h 46 min
